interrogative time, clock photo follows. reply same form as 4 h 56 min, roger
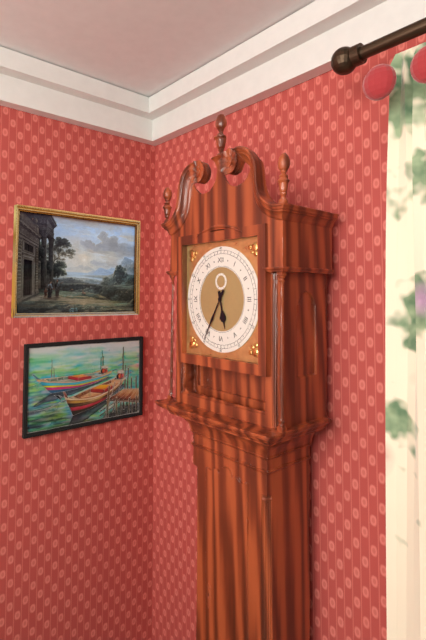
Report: 5 h 35 min
